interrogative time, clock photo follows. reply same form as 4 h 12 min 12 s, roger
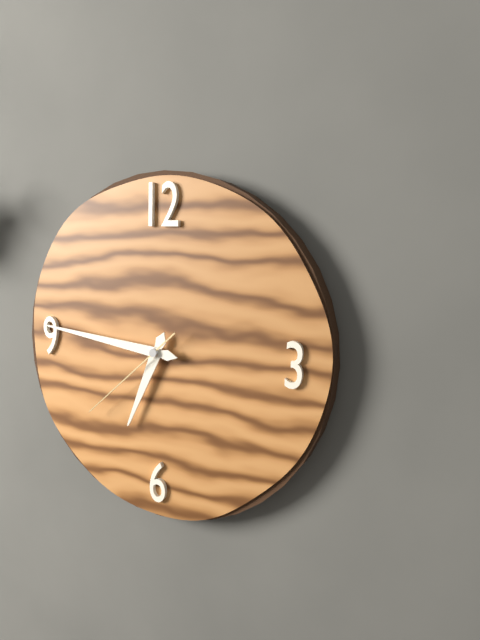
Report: 6 h 46 min 38 s
